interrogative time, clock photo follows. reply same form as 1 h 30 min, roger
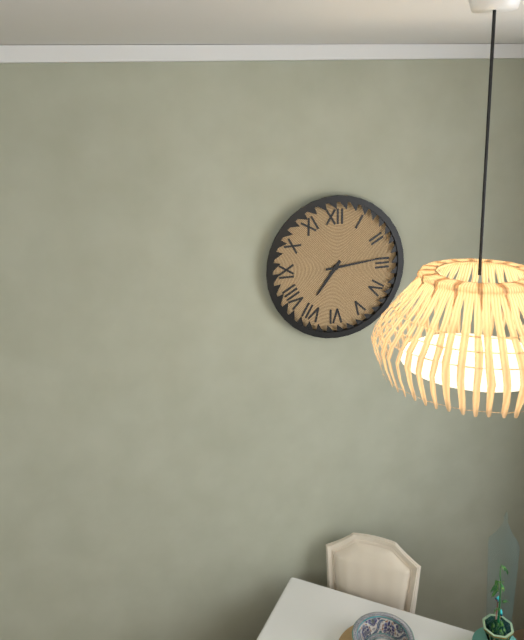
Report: 7 h 14 min
